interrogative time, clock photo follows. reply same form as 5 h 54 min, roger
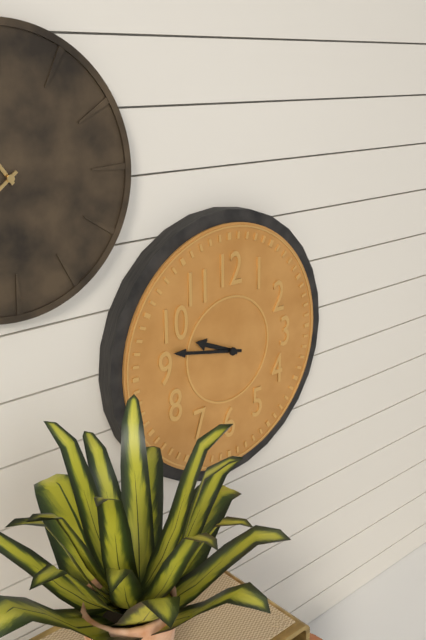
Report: 9 h 47 min
